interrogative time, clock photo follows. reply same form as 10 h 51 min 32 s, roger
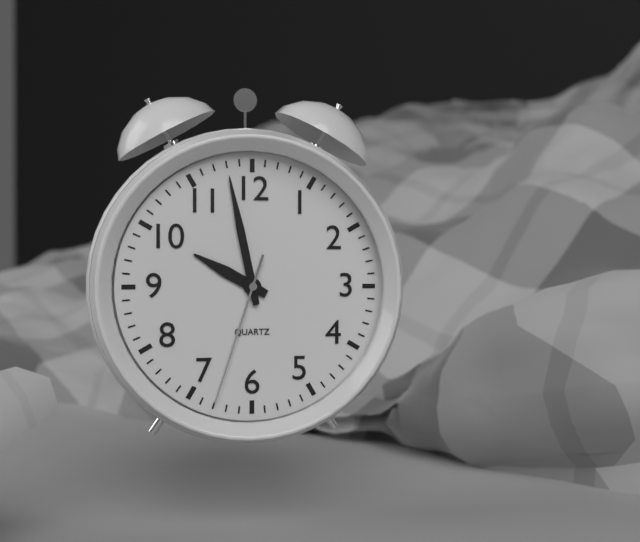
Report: 9 h 58 min 33 s
